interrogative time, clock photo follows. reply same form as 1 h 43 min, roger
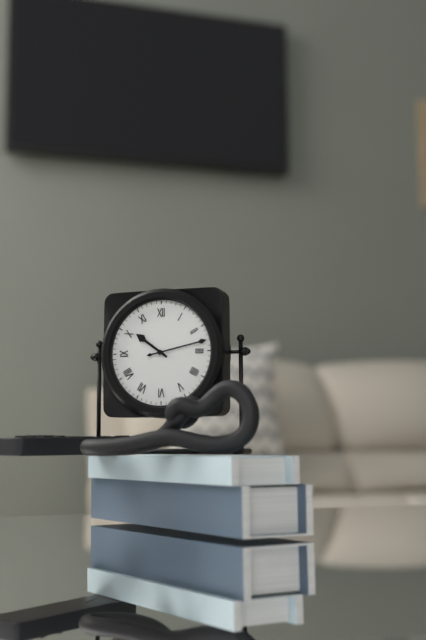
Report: 10 h 13 min
